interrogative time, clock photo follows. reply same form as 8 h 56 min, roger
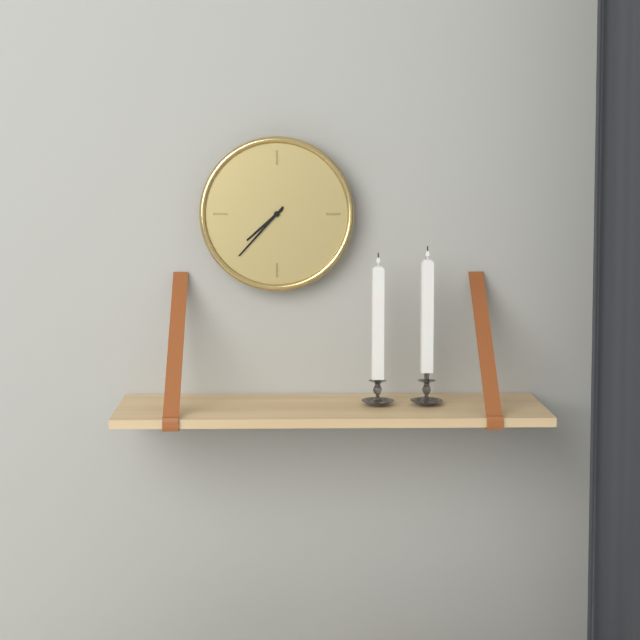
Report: 7 h 37 min
